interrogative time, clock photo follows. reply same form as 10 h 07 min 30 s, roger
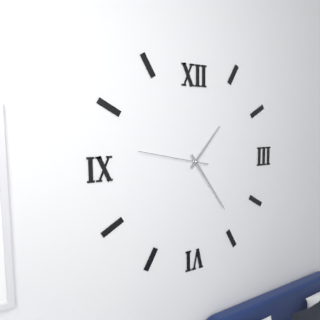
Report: 1 h 24 min 47 s
